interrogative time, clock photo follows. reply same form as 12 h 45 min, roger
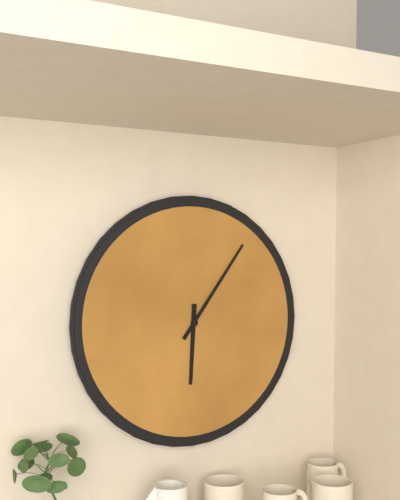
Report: 6 h 06 min
